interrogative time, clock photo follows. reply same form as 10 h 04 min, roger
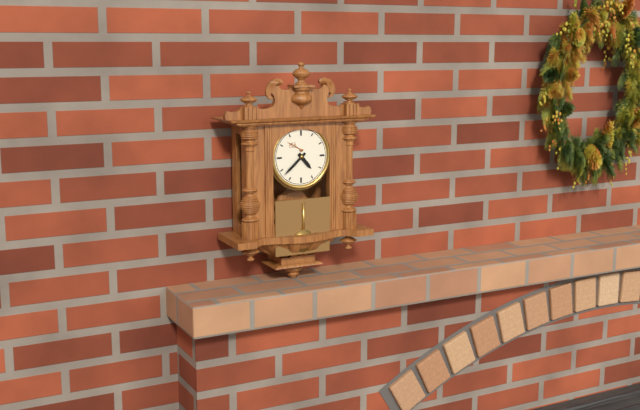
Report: 4 h 38 min
